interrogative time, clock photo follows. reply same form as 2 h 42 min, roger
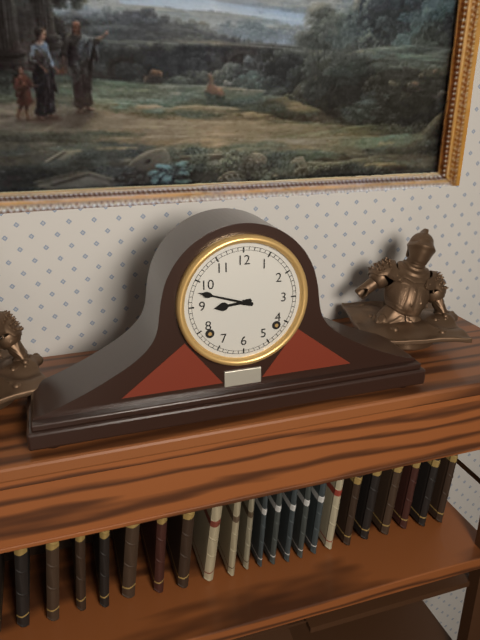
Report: 8 h 48 min
